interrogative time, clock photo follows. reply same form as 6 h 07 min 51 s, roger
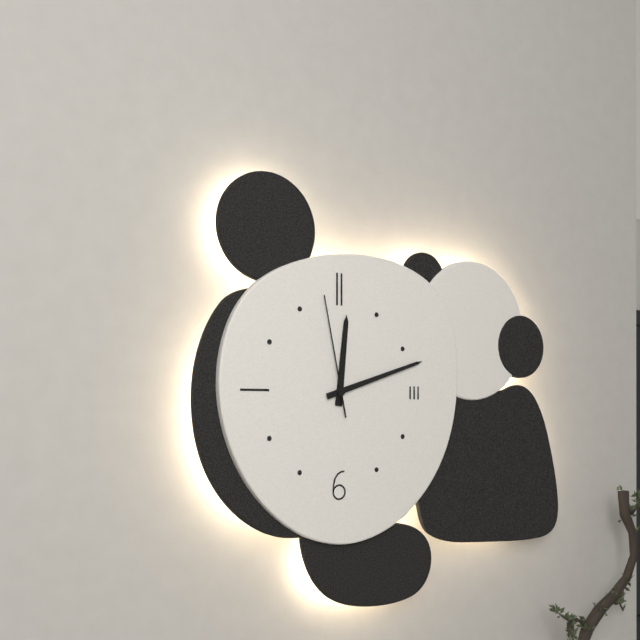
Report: 12 h 12 min 58 s
